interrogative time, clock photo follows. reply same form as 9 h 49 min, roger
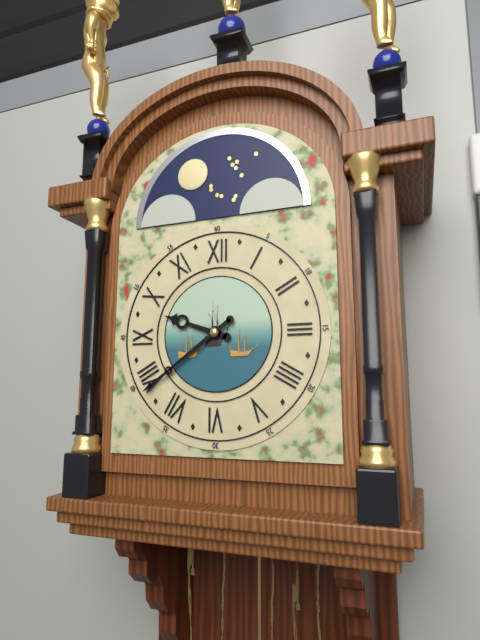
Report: 9 h 39 min
